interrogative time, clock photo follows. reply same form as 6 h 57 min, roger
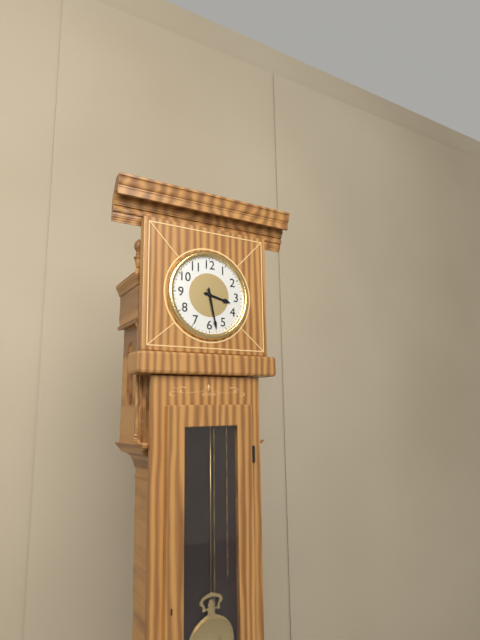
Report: 3 h 28 min
